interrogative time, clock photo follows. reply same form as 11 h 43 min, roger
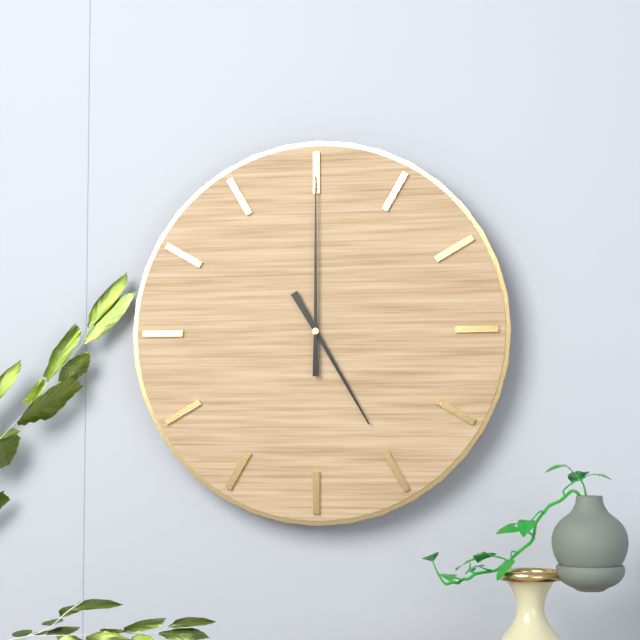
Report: 5 h 00 min
